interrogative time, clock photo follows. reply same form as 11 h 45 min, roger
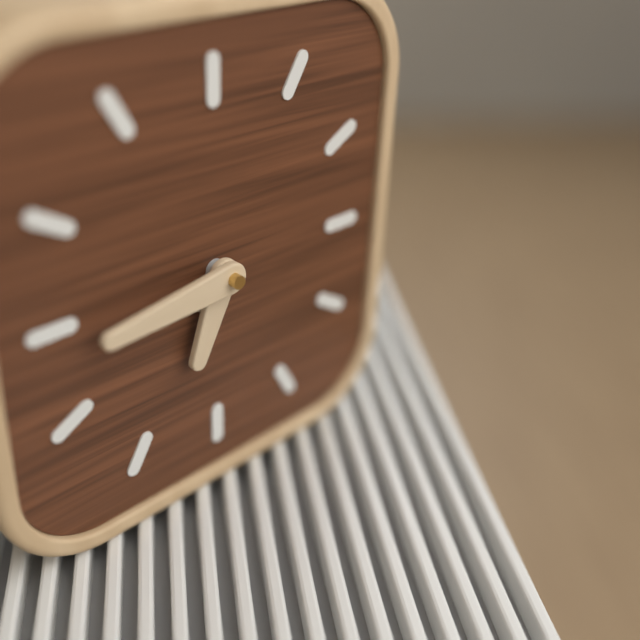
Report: 6 h 44 min
